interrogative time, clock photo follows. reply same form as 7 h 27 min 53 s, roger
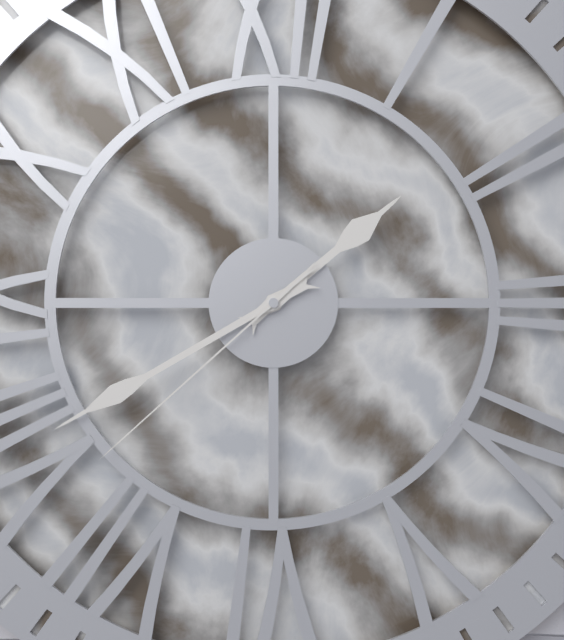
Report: 1 h 40 min 38 s
